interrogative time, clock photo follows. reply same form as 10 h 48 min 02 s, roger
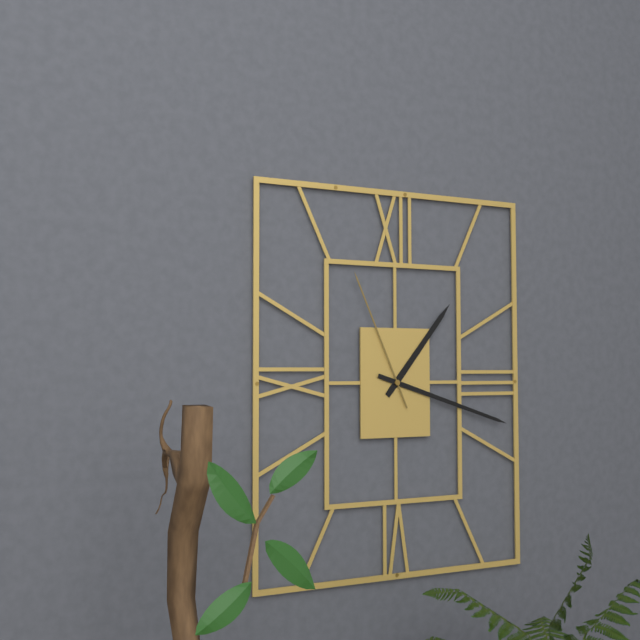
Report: 1 h 18 min 56 s
